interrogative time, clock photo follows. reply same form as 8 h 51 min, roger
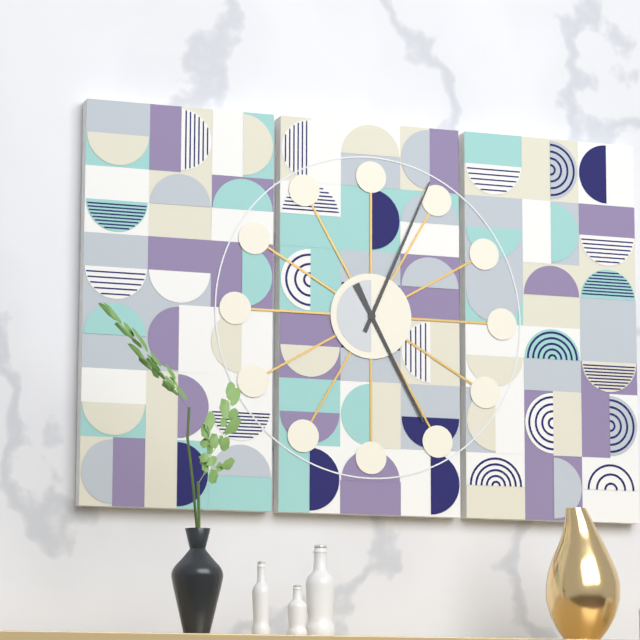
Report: 5 h 04 min
